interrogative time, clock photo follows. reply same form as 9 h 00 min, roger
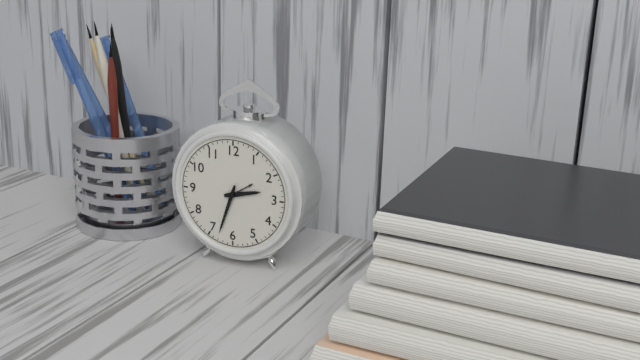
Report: 2 h 33 min
